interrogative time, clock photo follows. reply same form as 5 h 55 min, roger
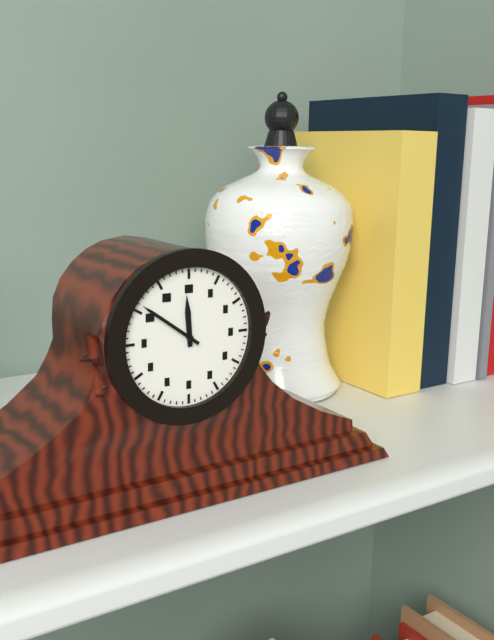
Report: 11 h 51 min
